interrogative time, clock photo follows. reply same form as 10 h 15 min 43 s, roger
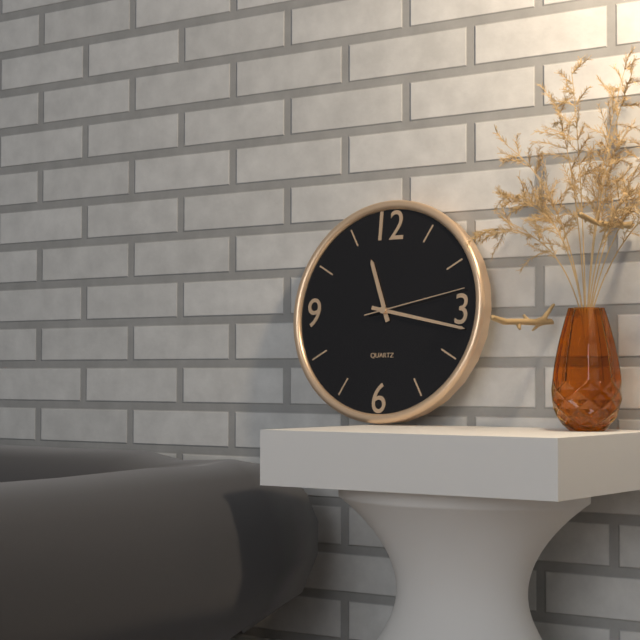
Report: 11 h 17 min 13 s
